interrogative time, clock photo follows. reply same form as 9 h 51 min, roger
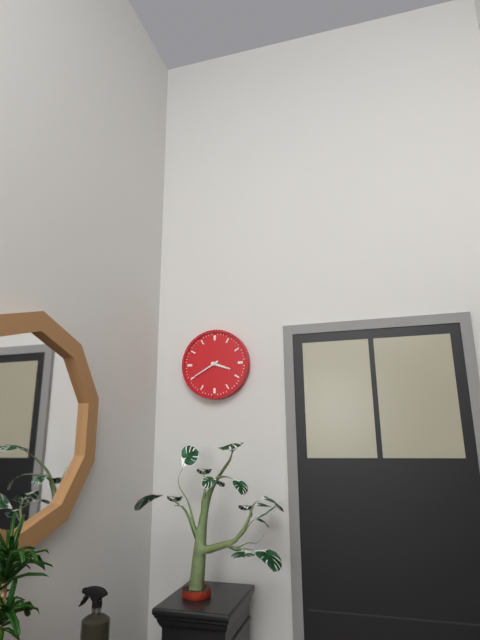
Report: 3 h 40 min
